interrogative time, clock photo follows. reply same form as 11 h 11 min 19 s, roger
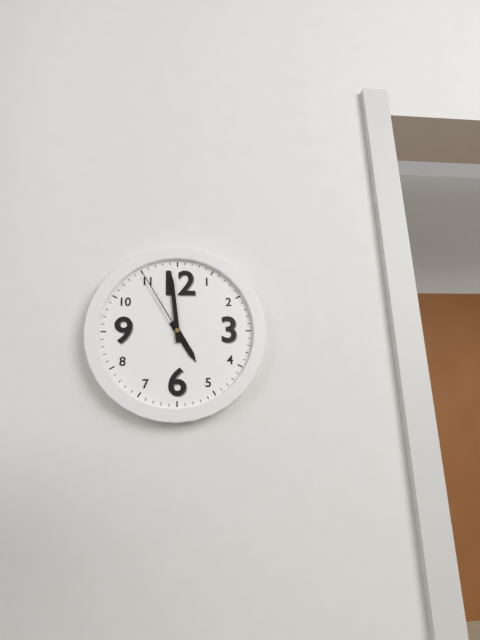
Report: 4 h 59 min 55 s
